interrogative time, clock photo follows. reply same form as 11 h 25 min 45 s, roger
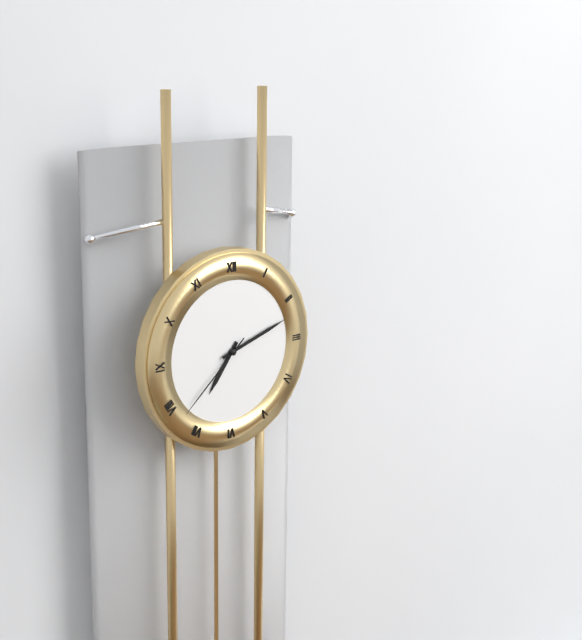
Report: 7 h 12 min 38 s
